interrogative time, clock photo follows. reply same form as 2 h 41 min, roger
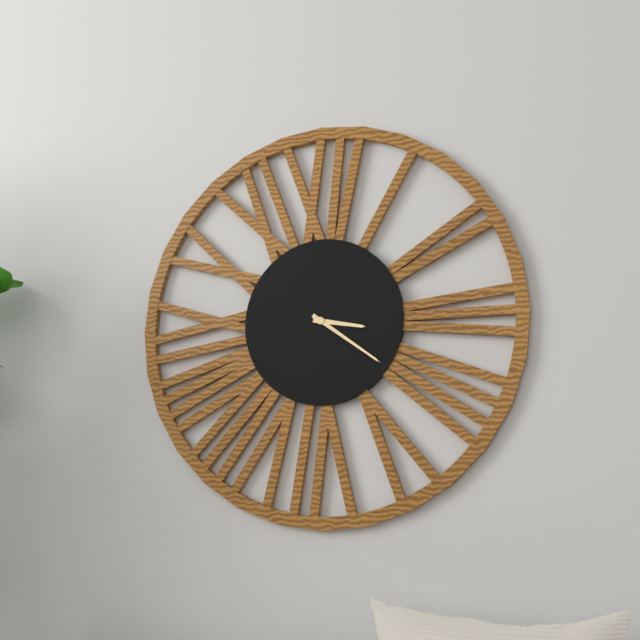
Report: 3 h 21 min
